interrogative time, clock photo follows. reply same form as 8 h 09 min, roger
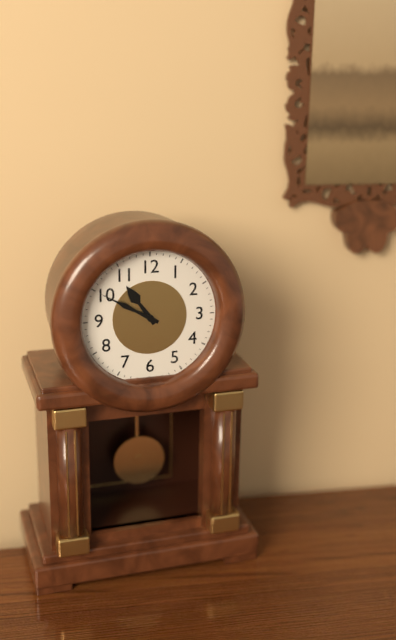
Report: 10 h 50 min
